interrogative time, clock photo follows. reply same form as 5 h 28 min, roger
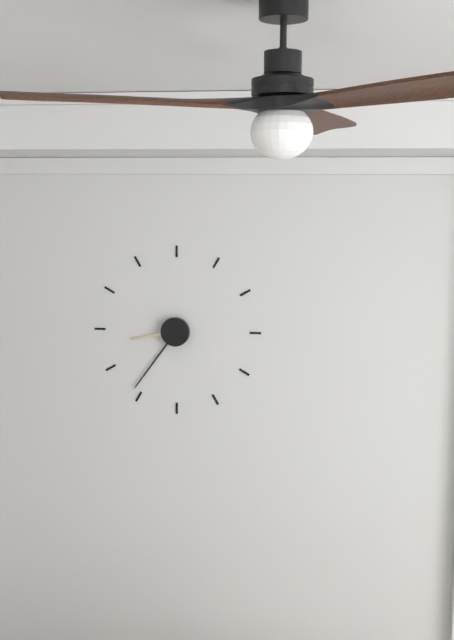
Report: 8 h 36 min
